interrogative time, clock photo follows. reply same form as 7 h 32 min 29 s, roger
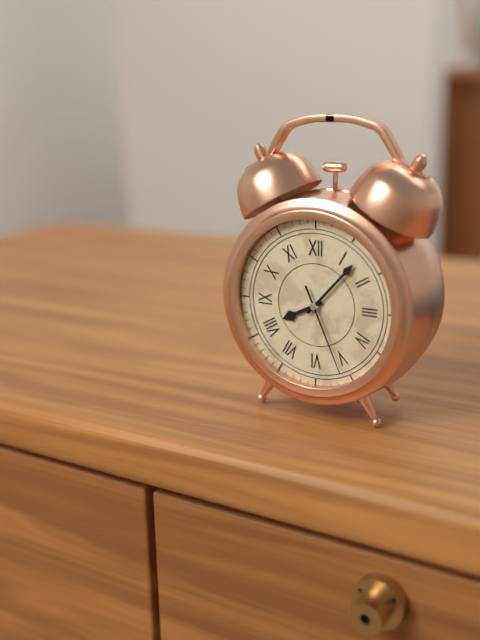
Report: 8 h 07 min 26 s
